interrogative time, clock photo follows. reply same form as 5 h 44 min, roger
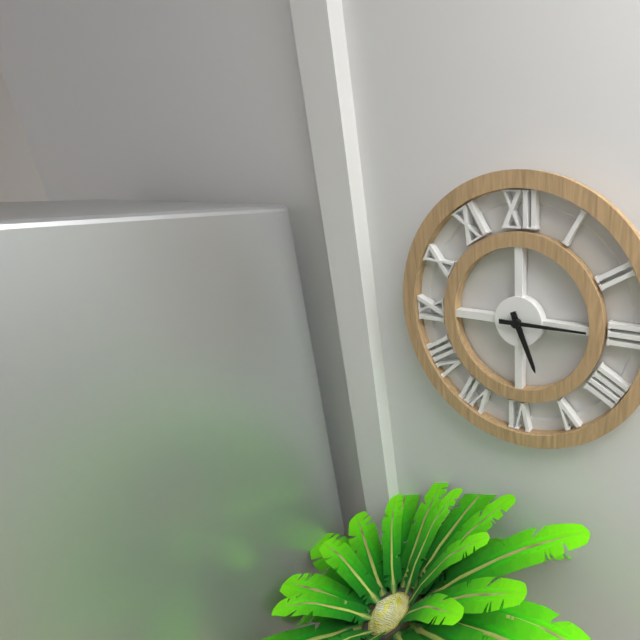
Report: 5 h 15 min
